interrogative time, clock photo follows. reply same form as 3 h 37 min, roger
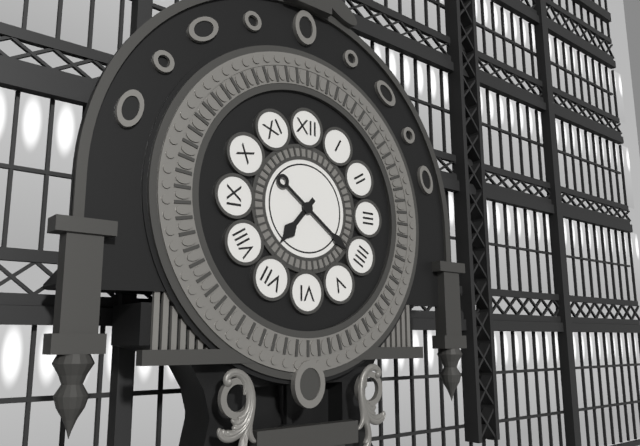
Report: 7 h 21 min
